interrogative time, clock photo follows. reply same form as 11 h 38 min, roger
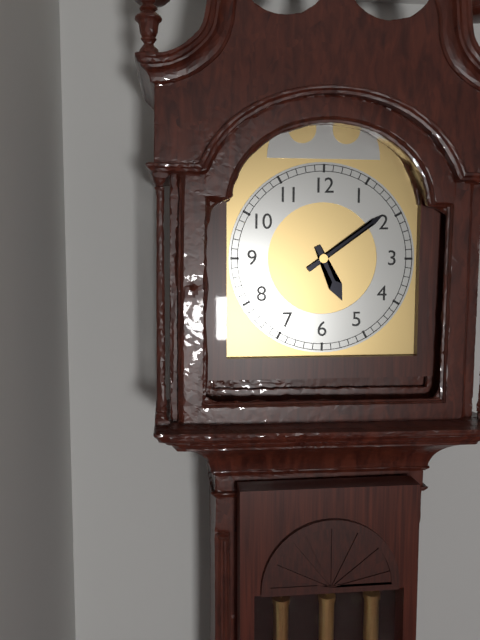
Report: 5 h 09 min
